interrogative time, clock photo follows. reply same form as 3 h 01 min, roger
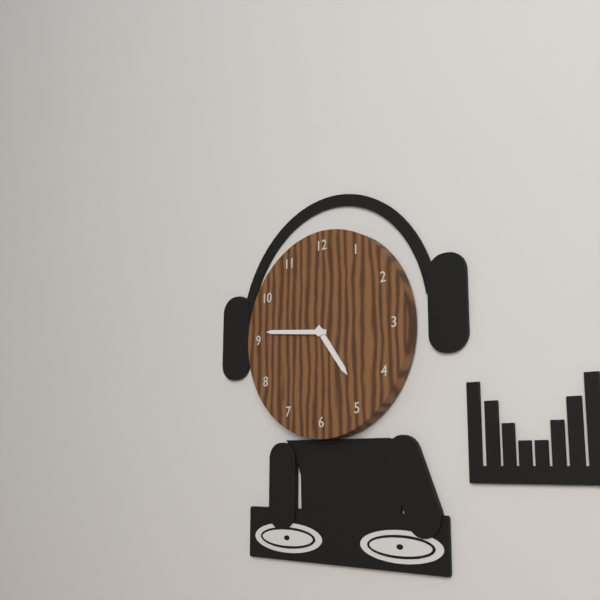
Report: 4 h 46 min
